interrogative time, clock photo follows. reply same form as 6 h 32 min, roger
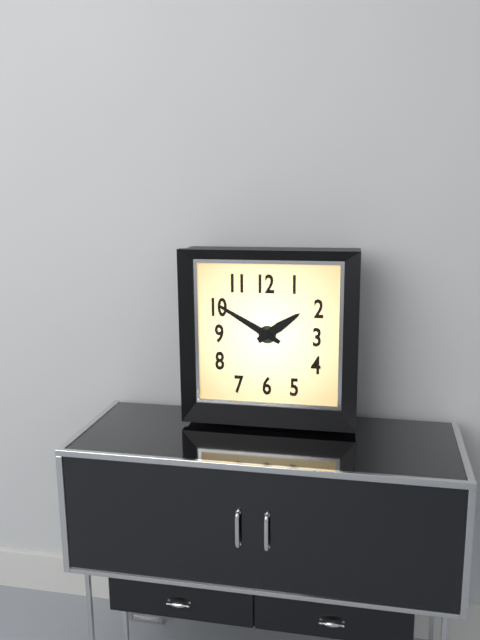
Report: 1 h 50 min
